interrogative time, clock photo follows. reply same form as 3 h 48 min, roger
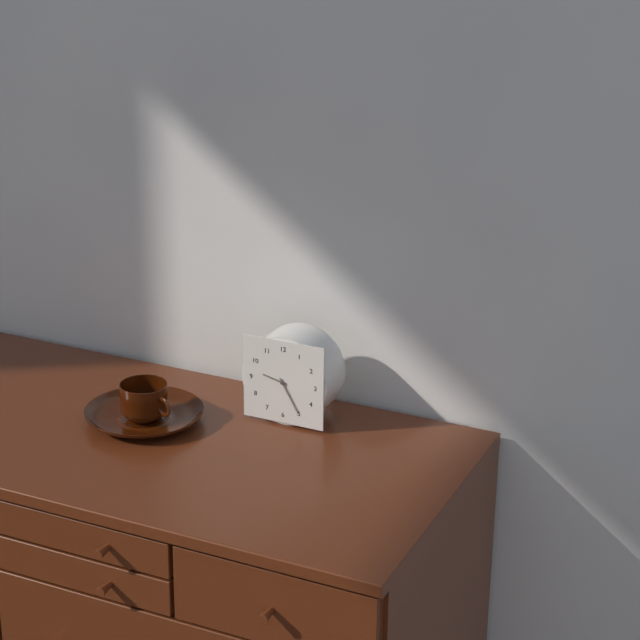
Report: 9 h 25 min
